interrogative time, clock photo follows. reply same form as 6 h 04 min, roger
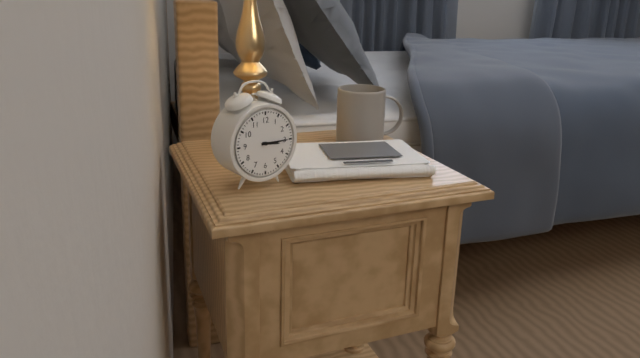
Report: 3 h 15 min
